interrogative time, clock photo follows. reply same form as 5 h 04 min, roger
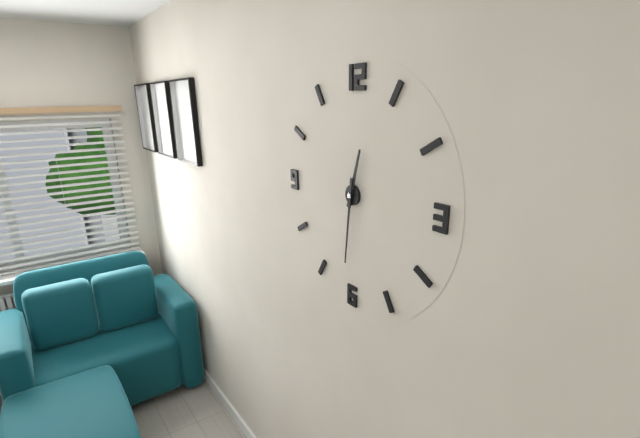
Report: 12 h 31 min
